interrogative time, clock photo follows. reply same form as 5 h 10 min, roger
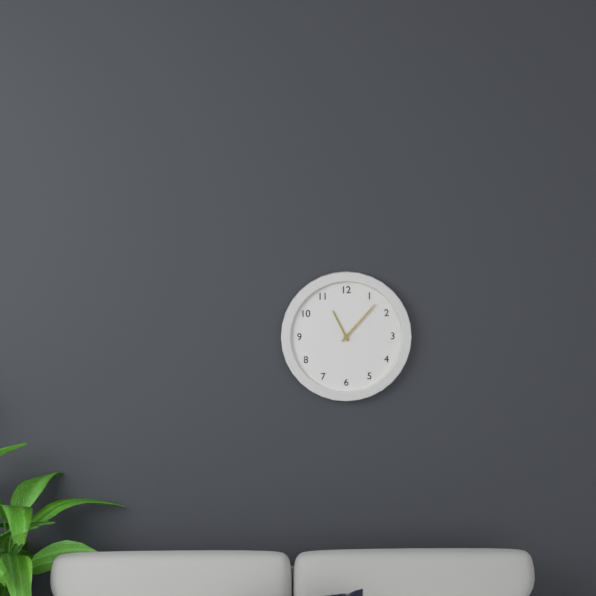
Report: 11 h 07 min
